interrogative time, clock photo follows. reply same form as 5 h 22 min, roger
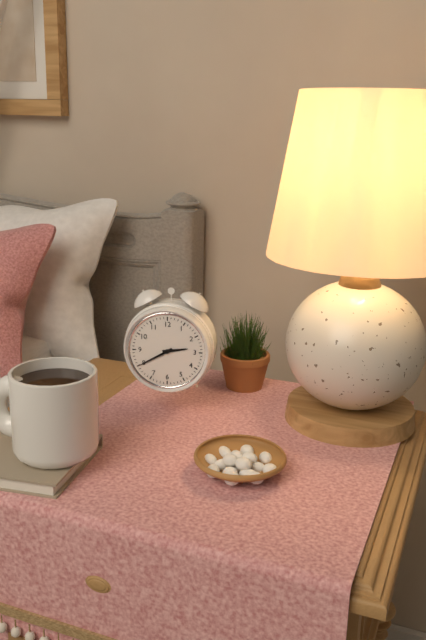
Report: 2 h 40 min
